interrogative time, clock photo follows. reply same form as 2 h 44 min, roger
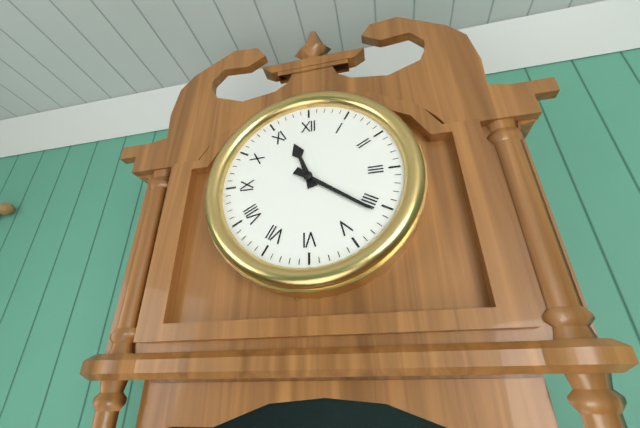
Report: 11 h 21 min
